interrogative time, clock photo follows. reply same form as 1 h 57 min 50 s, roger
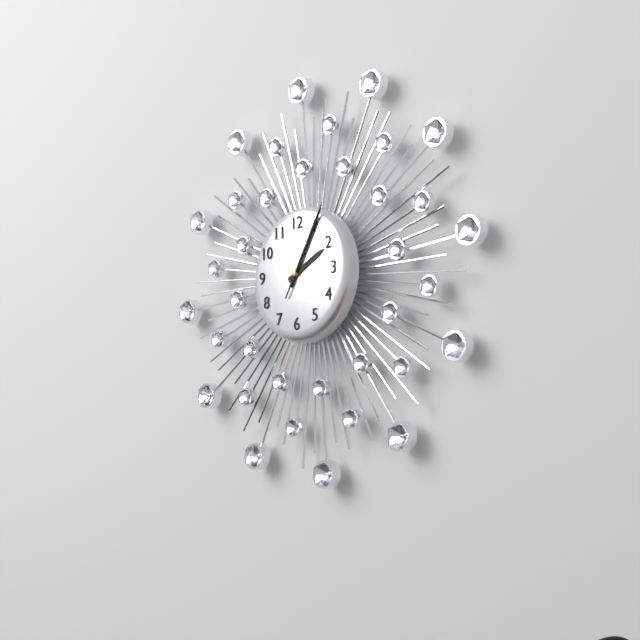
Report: 2 h 05 min 05 s
